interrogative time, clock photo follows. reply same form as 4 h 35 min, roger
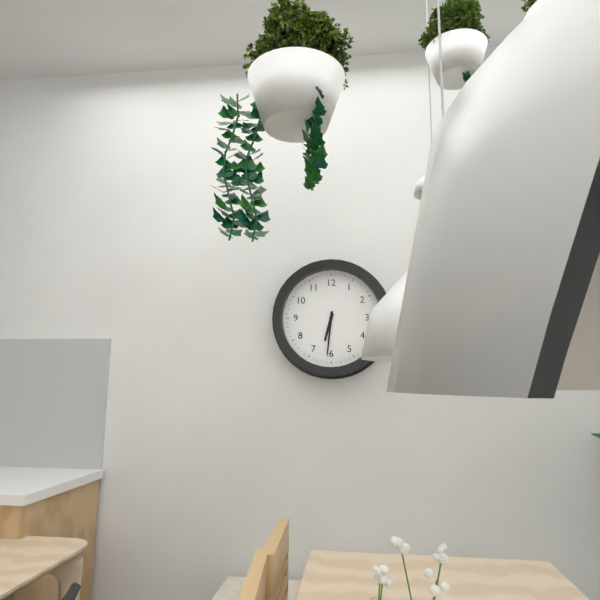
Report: 6 h 31 min
